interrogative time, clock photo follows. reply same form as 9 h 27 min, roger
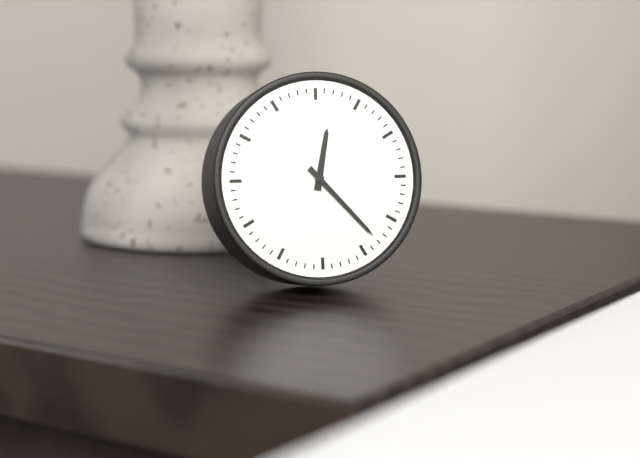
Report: 12 h 23 min
